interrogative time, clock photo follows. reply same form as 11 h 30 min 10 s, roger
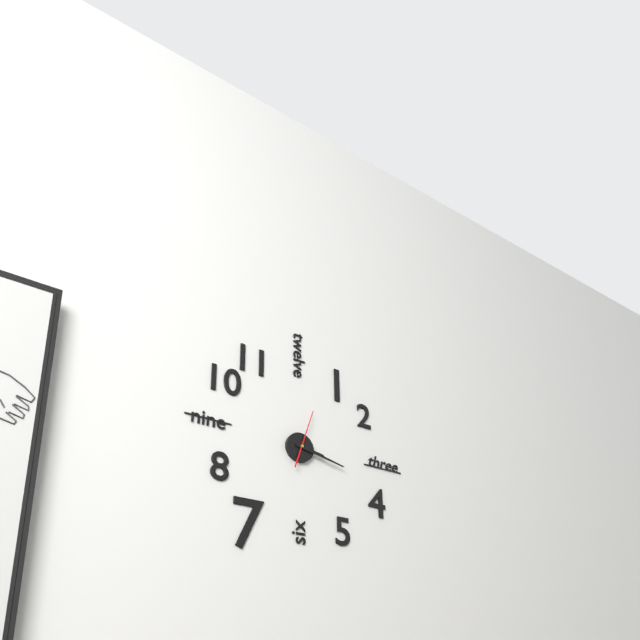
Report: 3 h 17 min 03 s
